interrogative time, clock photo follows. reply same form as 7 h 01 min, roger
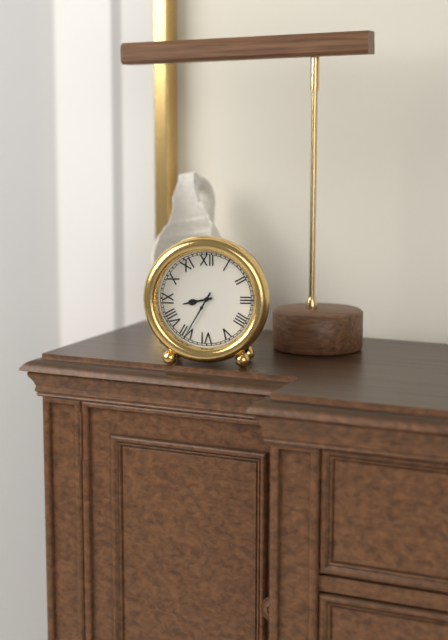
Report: 8 h 35 min
